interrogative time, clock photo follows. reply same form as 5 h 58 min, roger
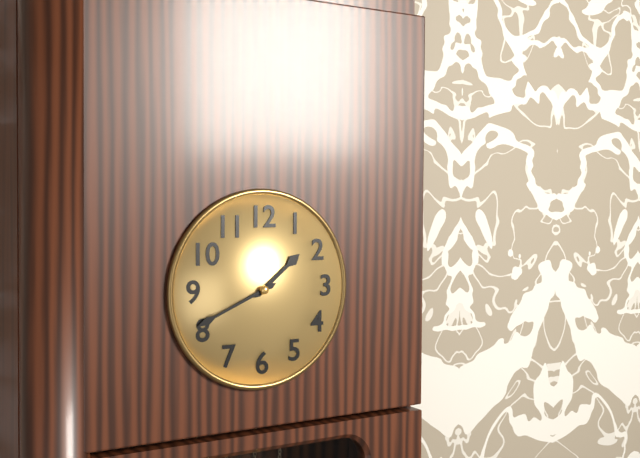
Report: 1 h 41 min
